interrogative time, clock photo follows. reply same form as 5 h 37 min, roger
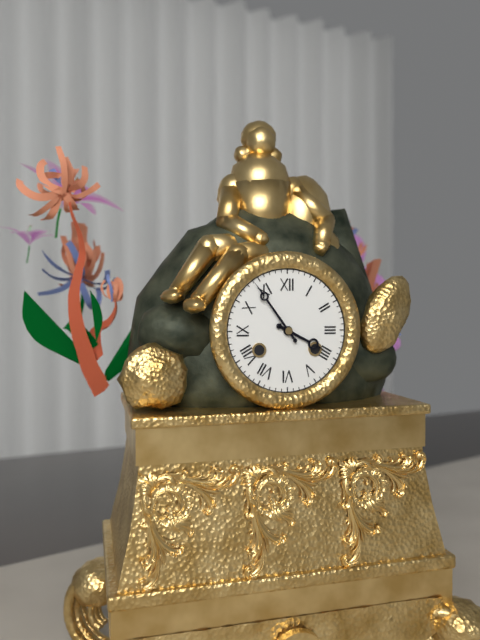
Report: 3 h 54 min
